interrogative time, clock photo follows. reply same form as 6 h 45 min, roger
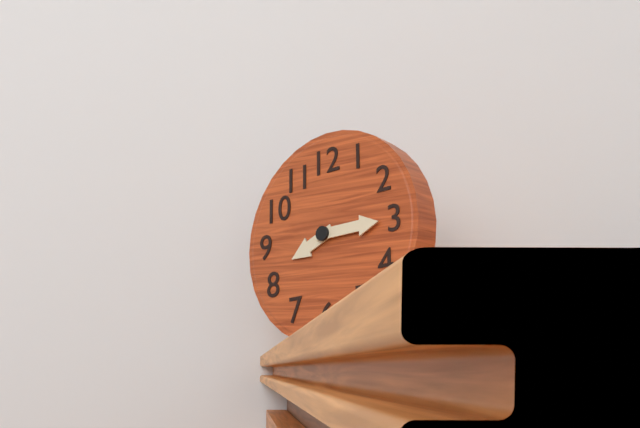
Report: 8 h 15 min
